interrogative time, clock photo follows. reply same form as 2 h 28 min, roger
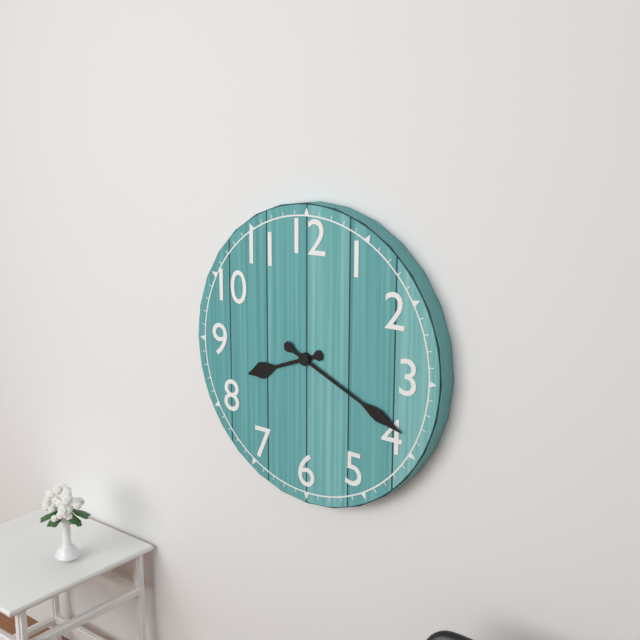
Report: 8 h 19 min
